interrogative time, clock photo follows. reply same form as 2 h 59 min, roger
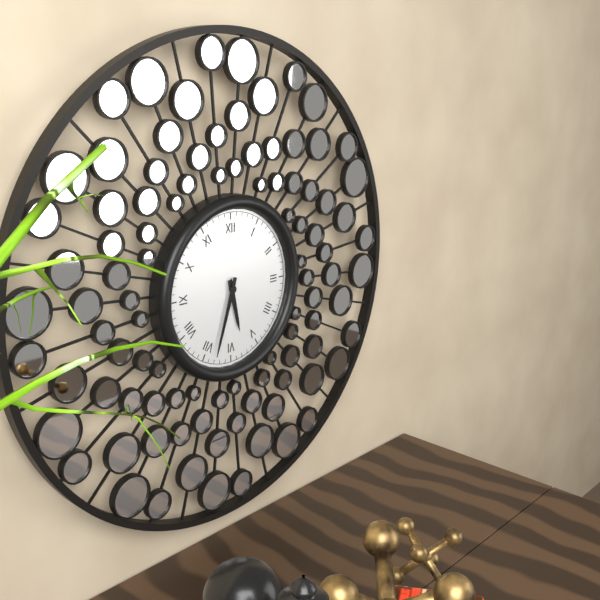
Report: 5 h 33 min
